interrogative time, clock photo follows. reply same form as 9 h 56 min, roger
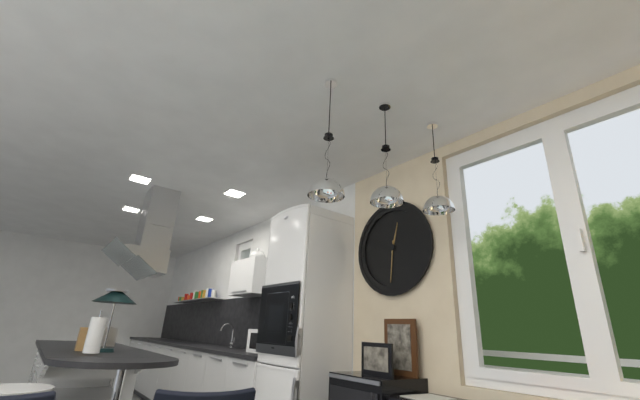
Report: 12 h 31 min
